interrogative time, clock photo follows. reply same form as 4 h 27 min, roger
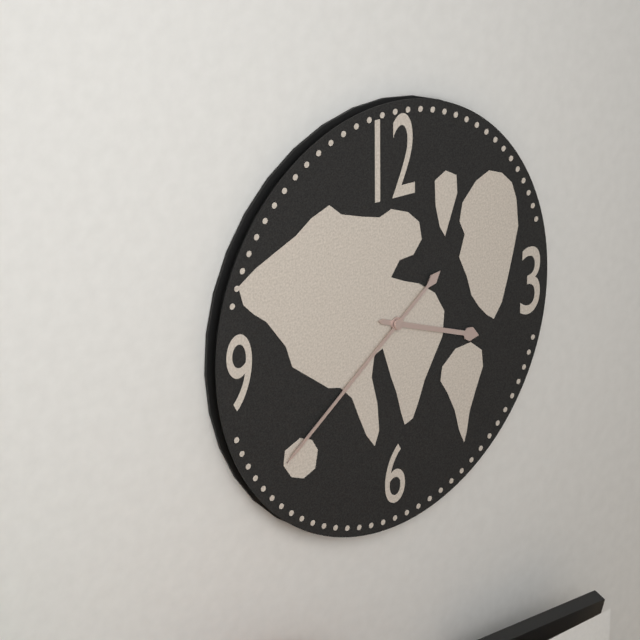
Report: 3 h 39 min
